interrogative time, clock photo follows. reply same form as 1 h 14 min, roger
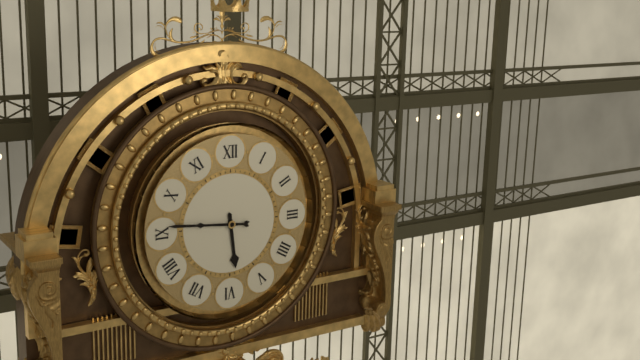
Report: 5 h 46 min
